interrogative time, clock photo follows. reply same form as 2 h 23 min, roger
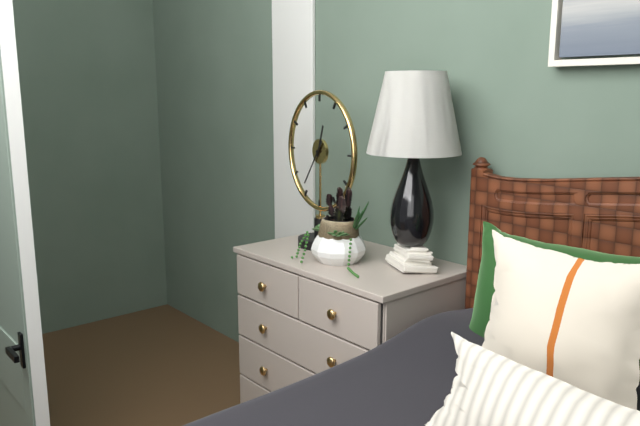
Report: 12 h 36 min
